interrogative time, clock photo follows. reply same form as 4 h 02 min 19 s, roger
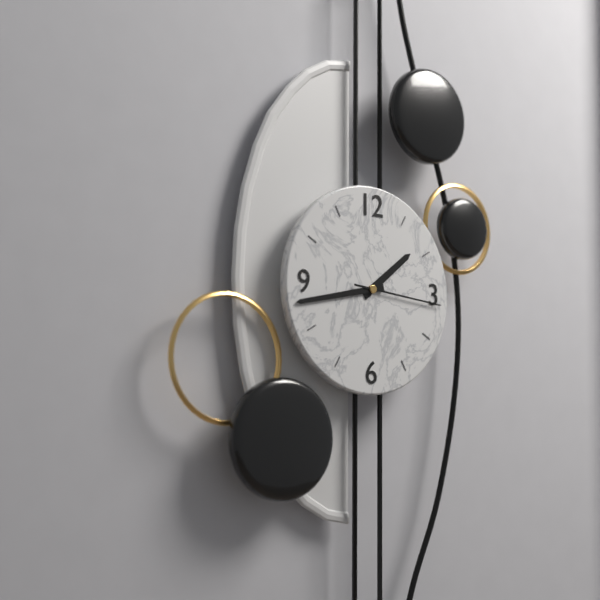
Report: 1 h 43 min 16 s
